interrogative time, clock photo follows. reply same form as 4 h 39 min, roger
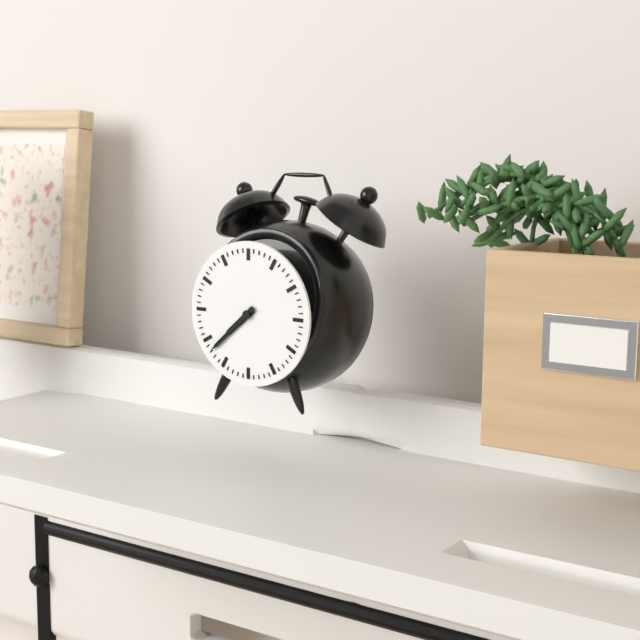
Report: 7 h 38 min
